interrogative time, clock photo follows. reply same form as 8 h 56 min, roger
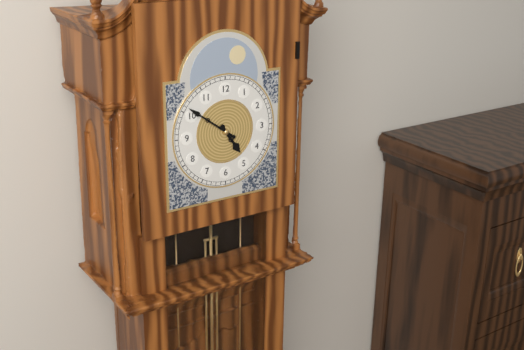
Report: 4 h 51 min
